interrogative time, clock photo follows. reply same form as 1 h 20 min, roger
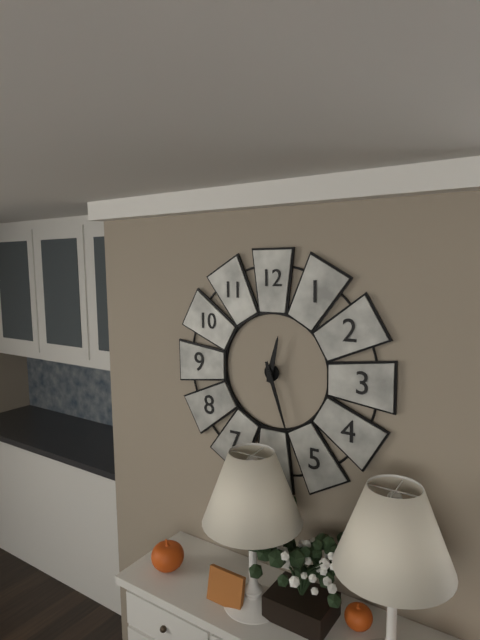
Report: 12 h 27 min
